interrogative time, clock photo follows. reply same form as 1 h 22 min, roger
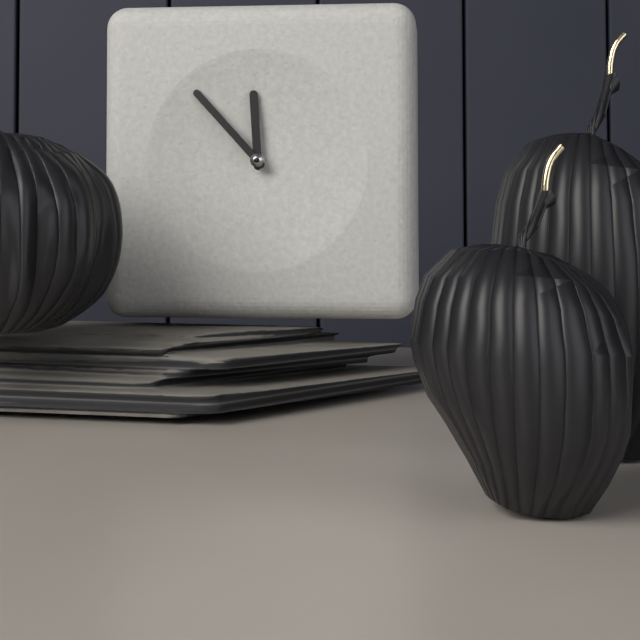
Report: 11 h 53 min
